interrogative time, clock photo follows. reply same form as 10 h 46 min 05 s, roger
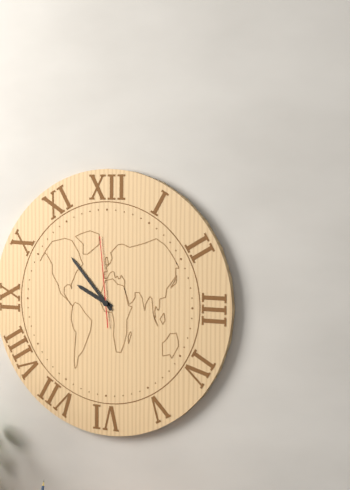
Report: 9 h 53 min 59 s
